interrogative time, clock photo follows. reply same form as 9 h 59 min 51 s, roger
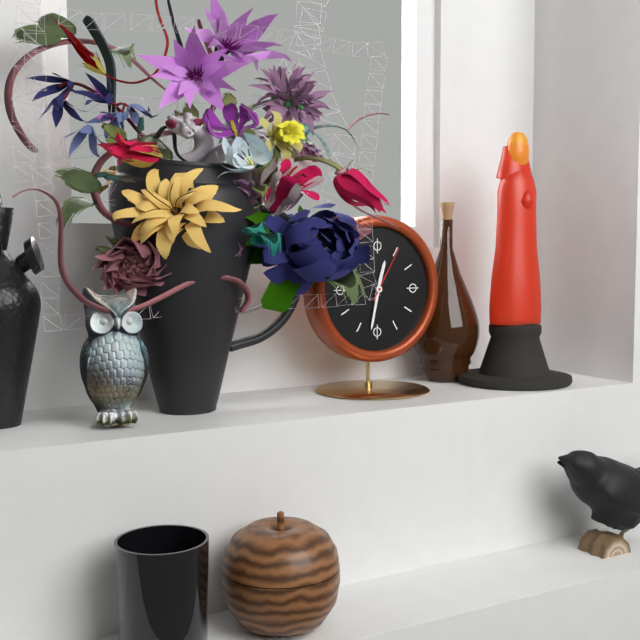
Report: 12 h 32 min 05 s
